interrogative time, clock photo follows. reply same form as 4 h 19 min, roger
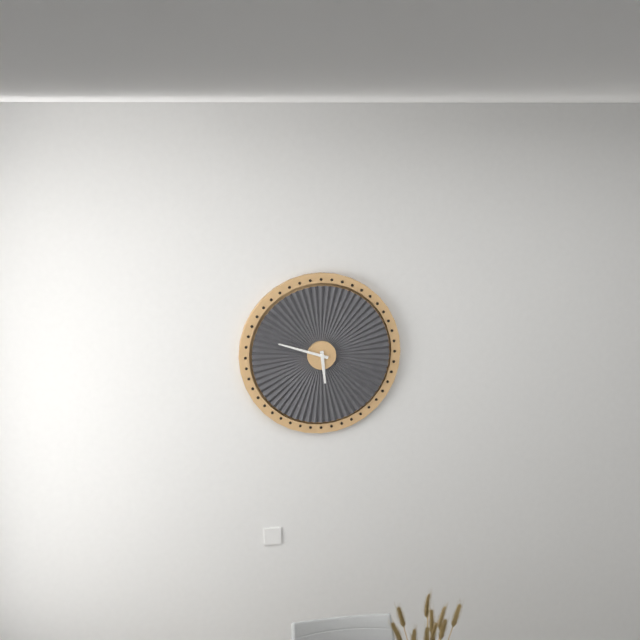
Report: 5 h 48 min
